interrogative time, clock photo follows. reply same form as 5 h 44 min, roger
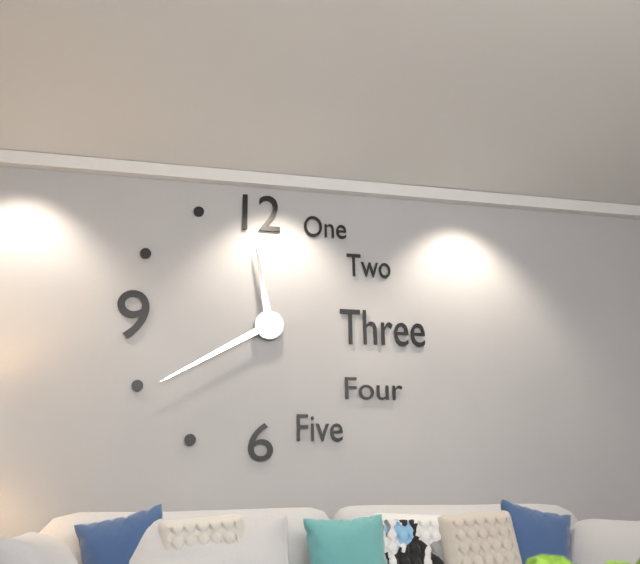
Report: 11 h 40 min
